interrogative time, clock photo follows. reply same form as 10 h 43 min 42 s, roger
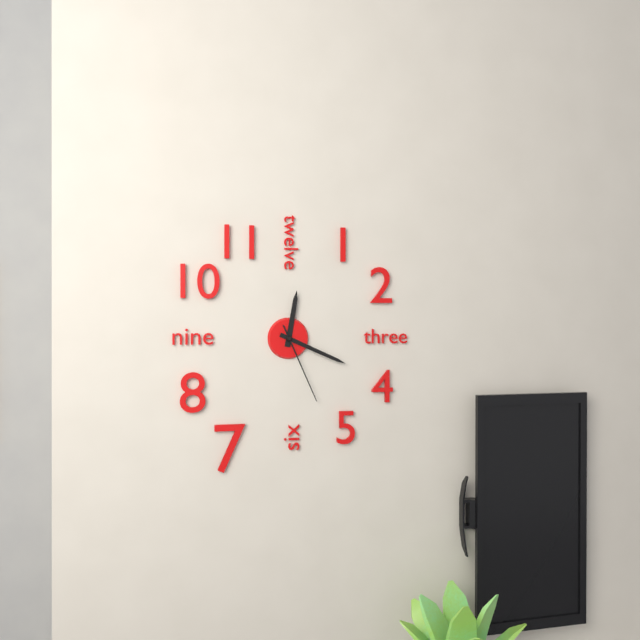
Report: 12 h 19 min 26 s
